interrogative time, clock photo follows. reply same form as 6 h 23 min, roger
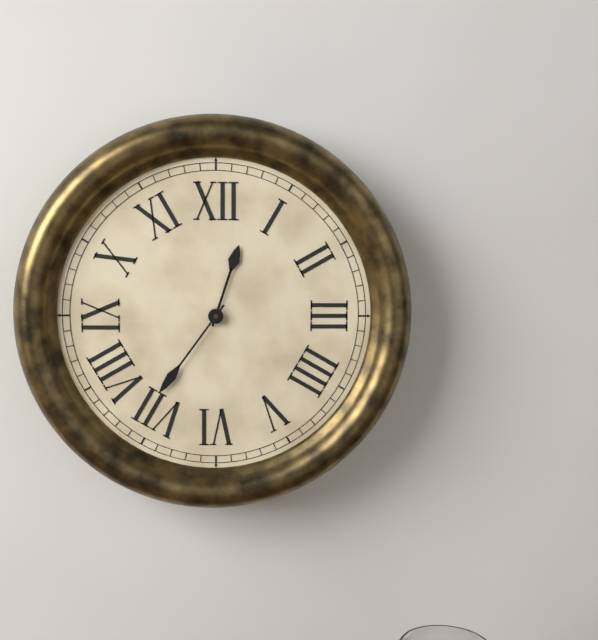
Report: 12 h 36 min
